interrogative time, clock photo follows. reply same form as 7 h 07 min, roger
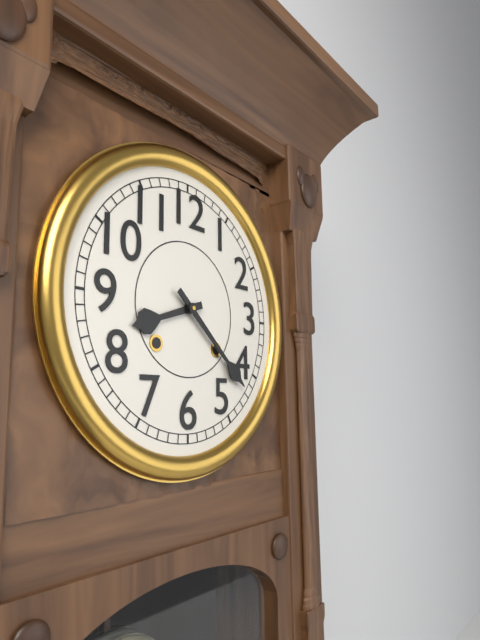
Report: 8 h 22 min
